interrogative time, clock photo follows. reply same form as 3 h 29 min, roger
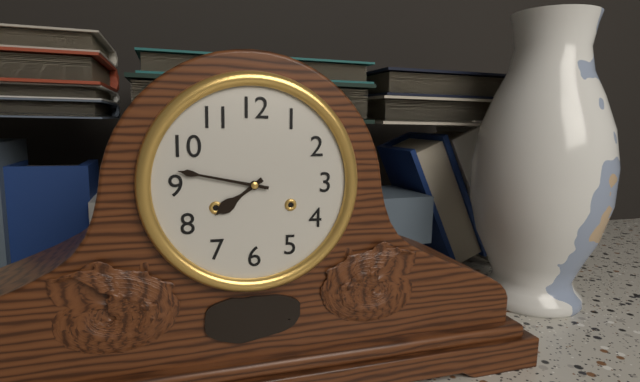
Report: 7 h 47 min
